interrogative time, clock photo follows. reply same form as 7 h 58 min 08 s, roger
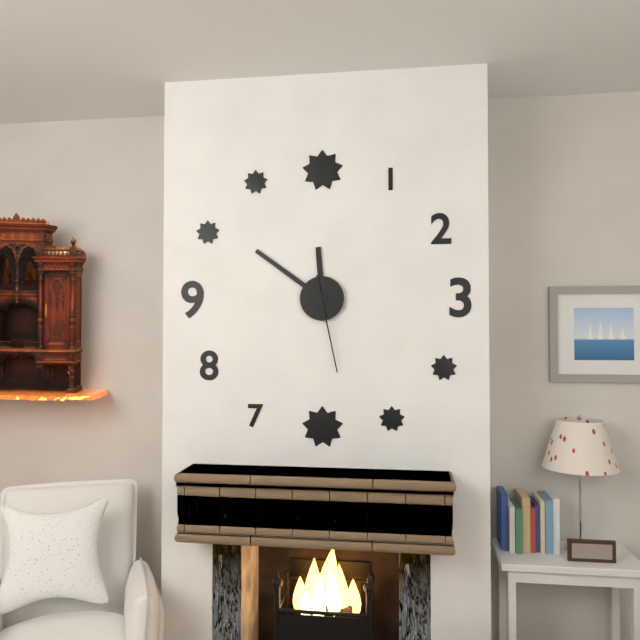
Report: 11 h 51 min 28 s
